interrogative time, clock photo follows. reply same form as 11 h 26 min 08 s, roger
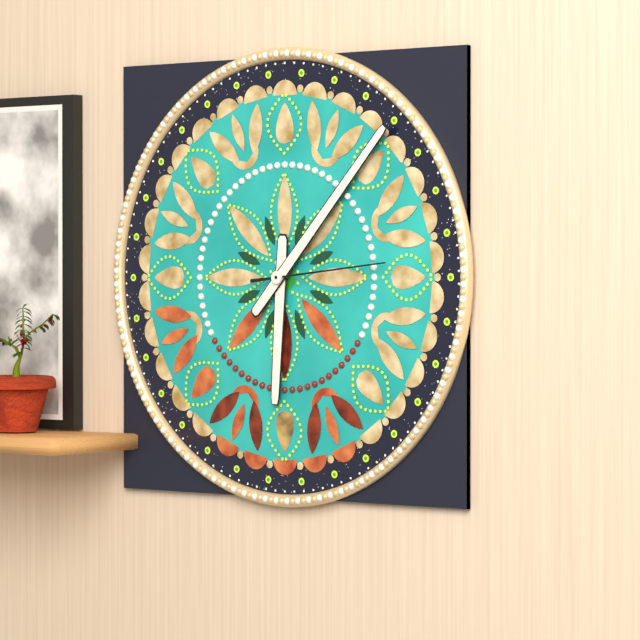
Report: 6 h 07 min 14 s
